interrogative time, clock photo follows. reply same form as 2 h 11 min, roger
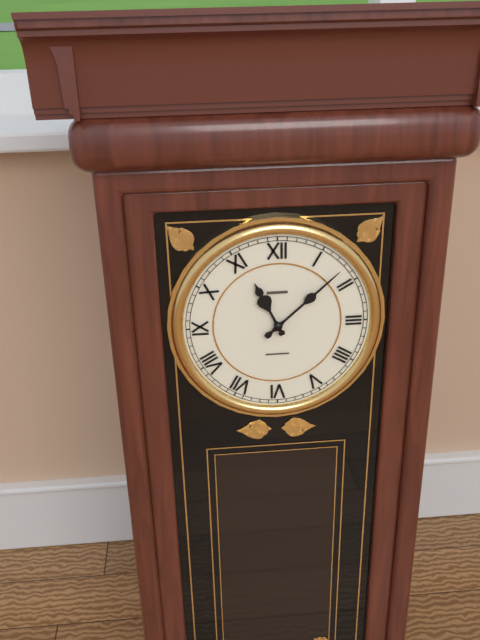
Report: 11 h 08 min
